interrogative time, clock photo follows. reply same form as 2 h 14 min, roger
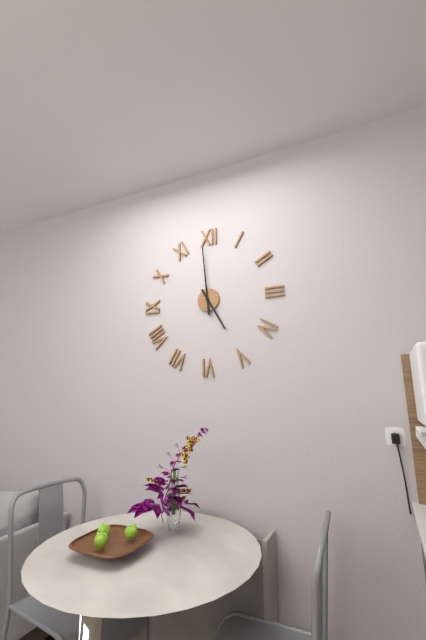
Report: 4 h 59 min
